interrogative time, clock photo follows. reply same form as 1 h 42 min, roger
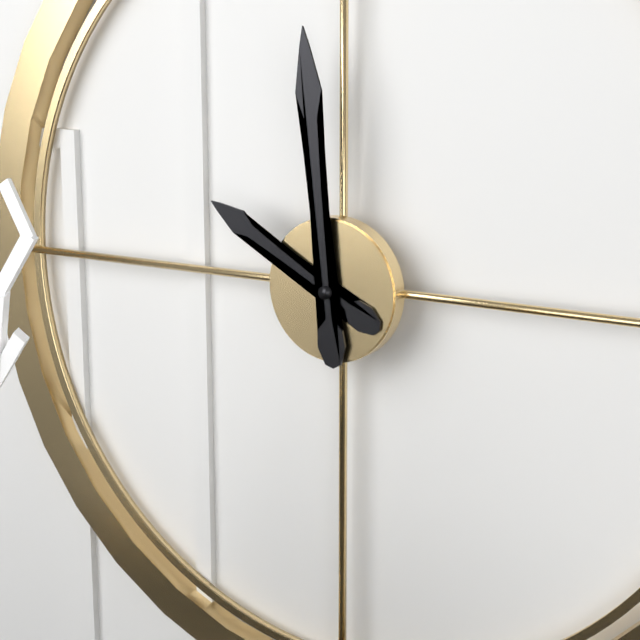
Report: 9 h 59 min
